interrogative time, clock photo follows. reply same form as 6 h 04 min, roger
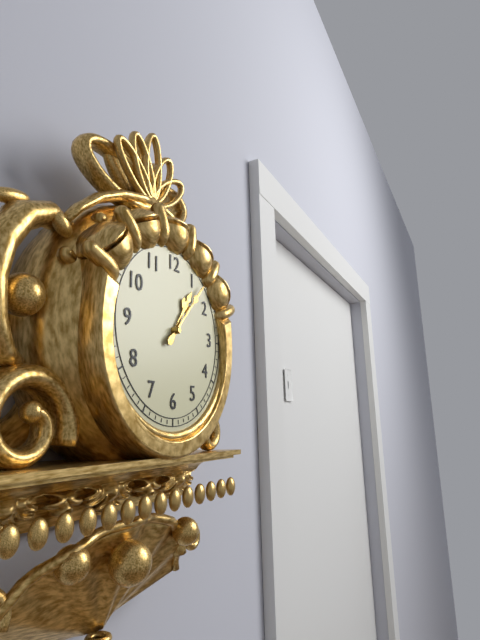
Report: 1 h 07 min
